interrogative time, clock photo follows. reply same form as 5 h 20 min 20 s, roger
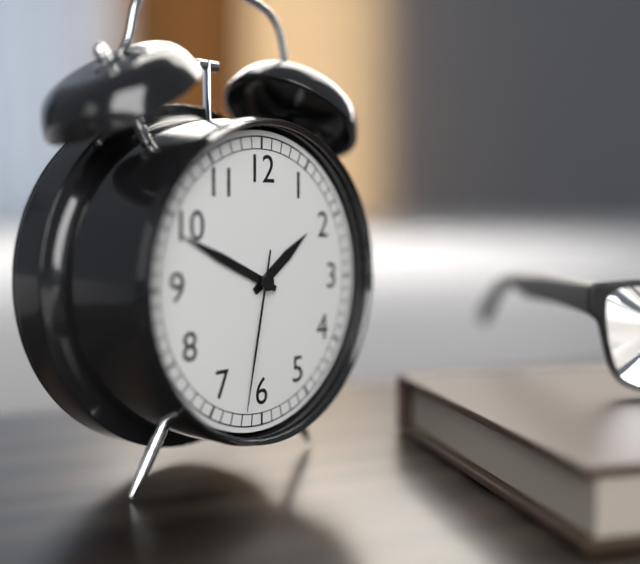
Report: 1 h 49 min 32 s
